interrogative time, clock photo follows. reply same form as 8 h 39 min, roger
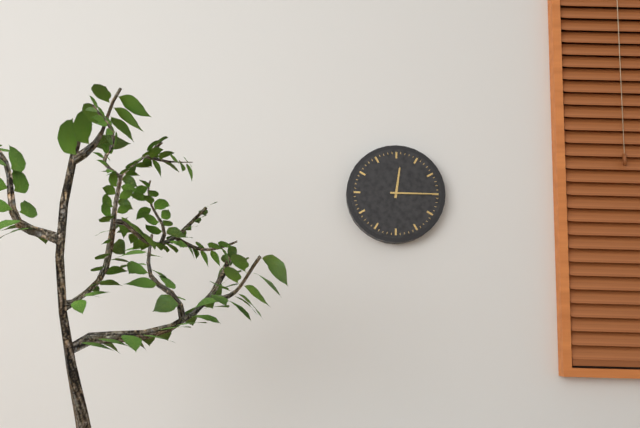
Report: 12 h 15 min
